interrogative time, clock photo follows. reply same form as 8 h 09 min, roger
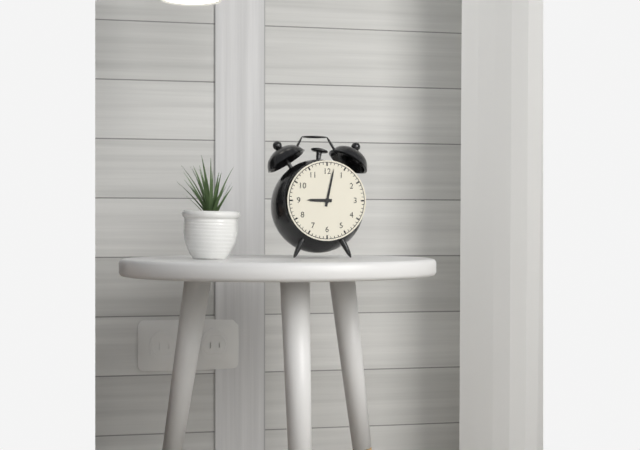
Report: 9 h 02 min
